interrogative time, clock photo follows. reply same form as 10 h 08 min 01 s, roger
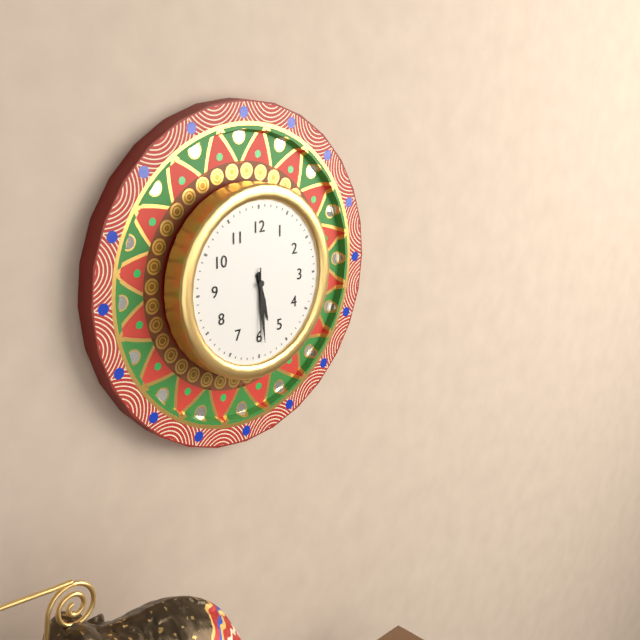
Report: 5 h 29 min 30 s
